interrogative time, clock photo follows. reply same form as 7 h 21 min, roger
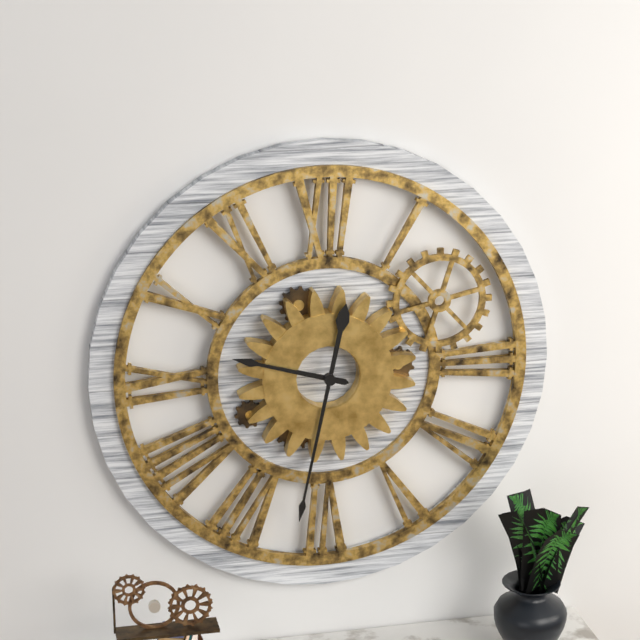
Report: 9 h 32 min
